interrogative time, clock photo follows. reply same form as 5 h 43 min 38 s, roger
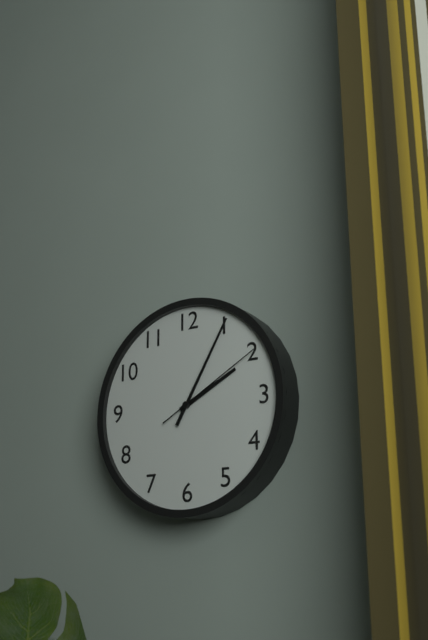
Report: 2 h 05 min 10 s
